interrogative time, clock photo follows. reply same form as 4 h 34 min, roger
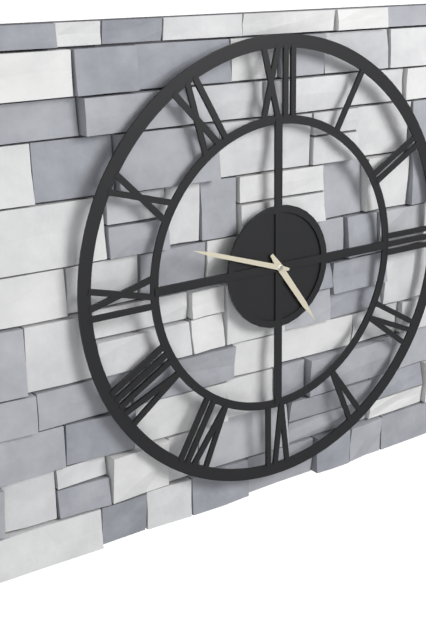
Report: 4 h 48 min
